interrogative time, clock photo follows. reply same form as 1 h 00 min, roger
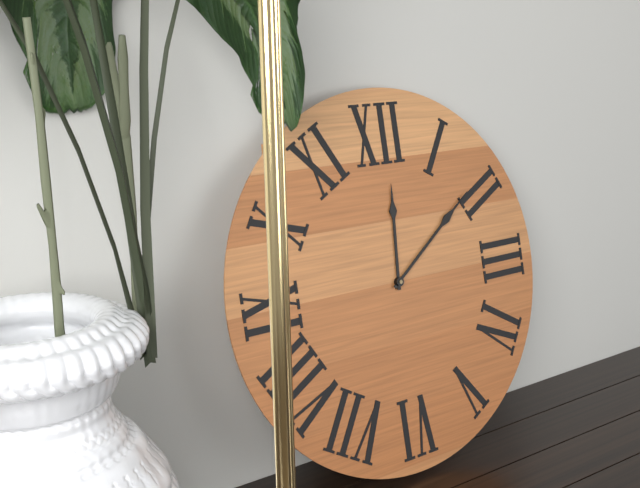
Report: 12 h 09 min
